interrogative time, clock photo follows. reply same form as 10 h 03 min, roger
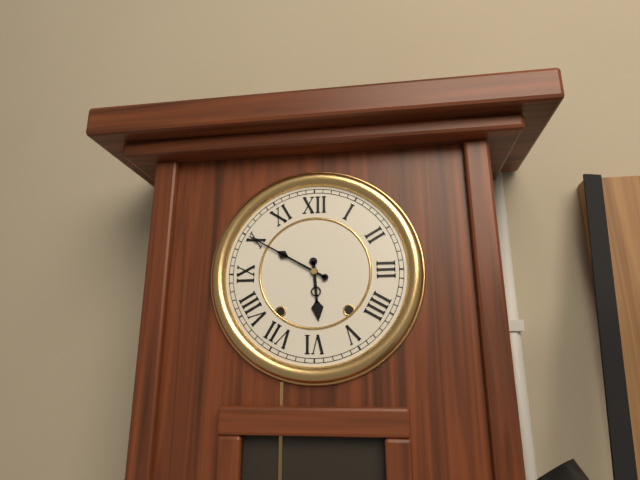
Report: 5 h 50 min
